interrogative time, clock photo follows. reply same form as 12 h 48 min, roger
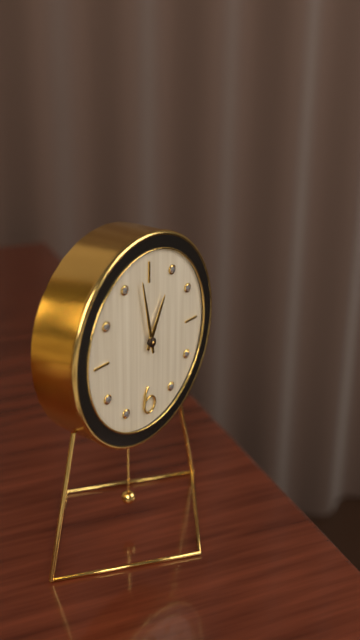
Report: 12 h 58 min
